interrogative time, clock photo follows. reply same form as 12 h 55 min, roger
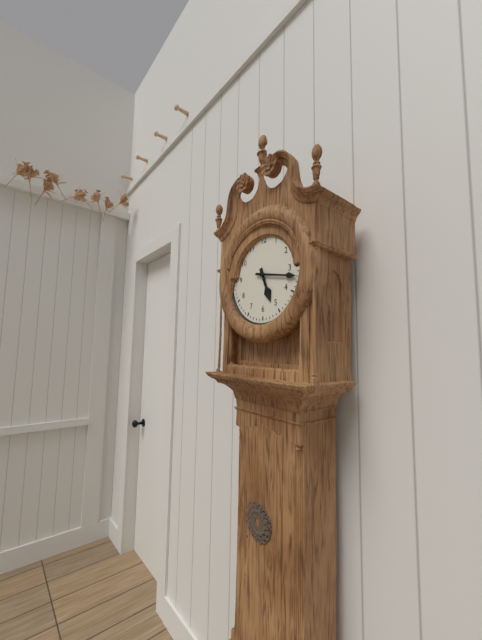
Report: 5 h 17 min
